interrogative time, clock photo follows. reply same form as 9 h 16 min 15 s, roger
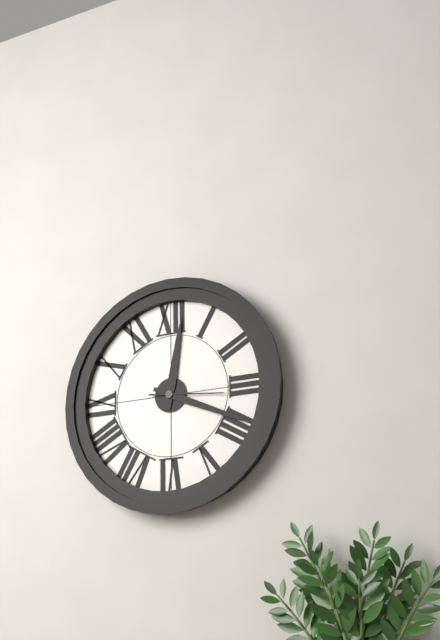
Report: 12 h 19 min 16 s
